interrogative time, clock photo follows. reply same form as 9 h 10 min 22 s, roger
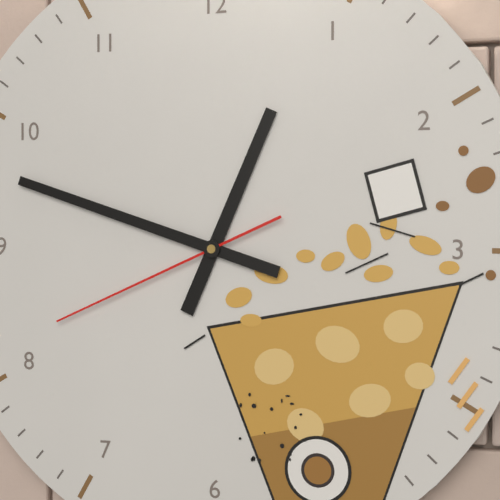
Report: 12 h 48 min 41 s
